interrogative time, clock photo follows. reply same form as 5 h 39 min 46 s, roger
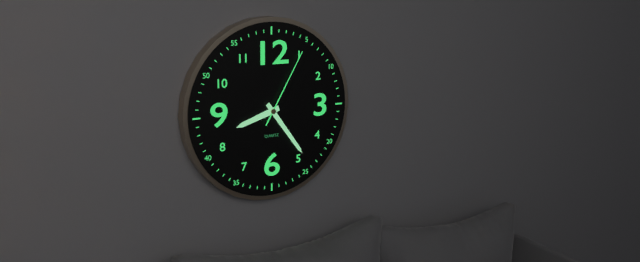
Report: 8 h 24 min 05 s
